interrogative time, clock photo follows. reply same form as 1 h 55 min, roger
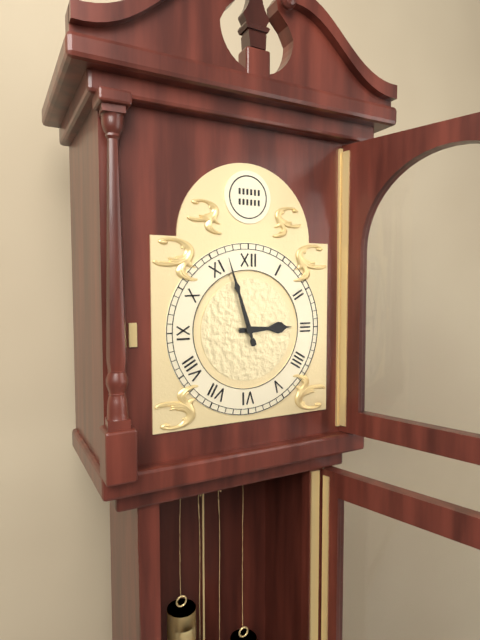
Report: 2 h 57 min
